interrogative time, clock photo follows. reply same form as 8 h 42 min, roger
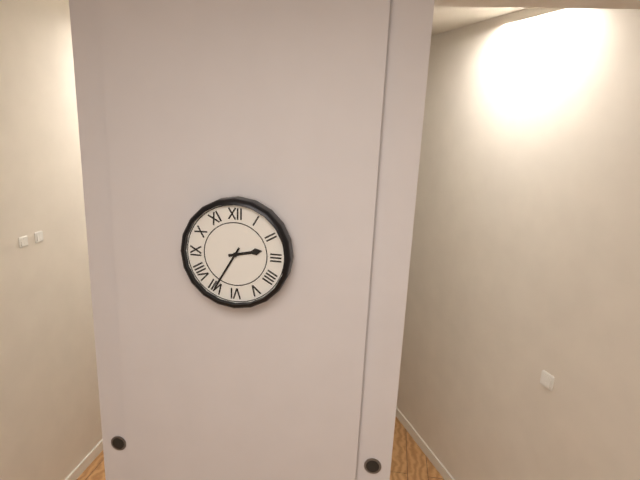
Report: 2 h 35 min
